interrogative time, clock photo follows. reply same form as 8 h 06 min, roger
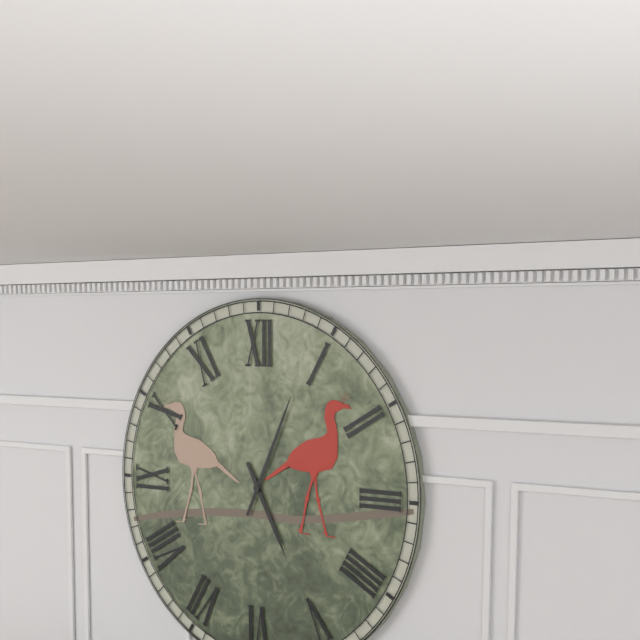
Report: 5 h 04 min
